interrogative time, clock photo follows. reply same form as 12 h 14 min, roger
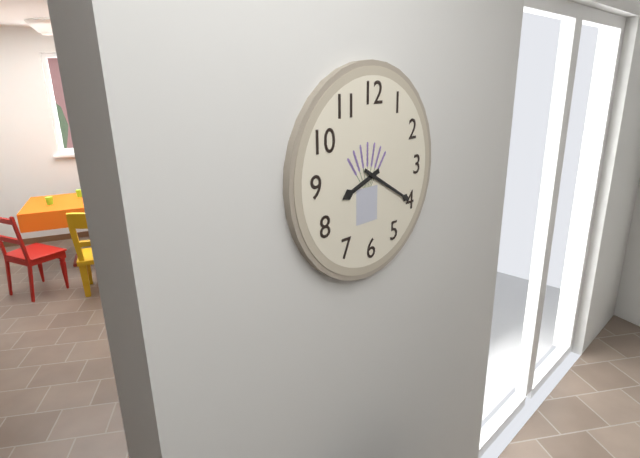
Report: 8 h 20 min
